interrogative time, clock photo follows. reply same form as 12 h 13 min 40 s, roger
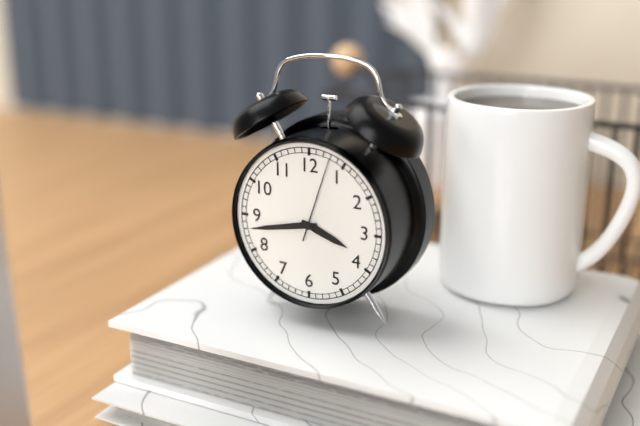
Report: 3 h 43 min 03 s
